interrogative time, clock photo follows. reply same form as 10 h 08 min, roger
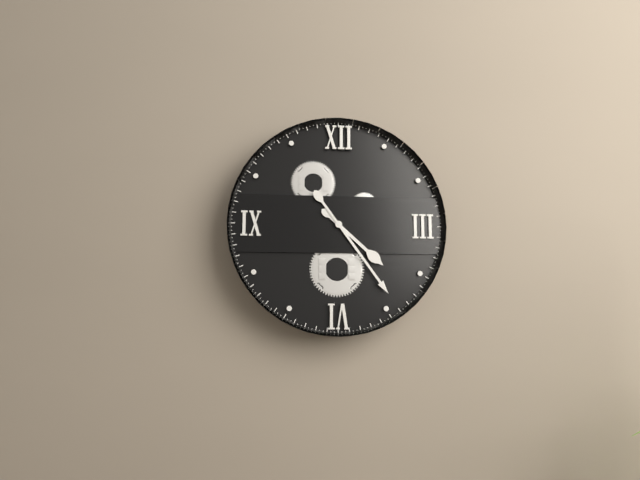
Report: 4 h 24 min
